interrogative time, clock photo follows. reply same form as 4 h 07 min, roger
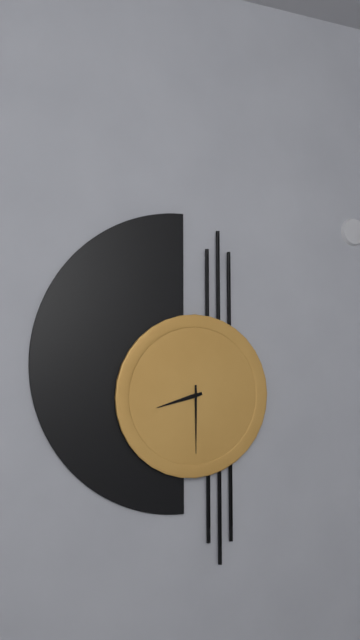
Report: 8 h 30 min
